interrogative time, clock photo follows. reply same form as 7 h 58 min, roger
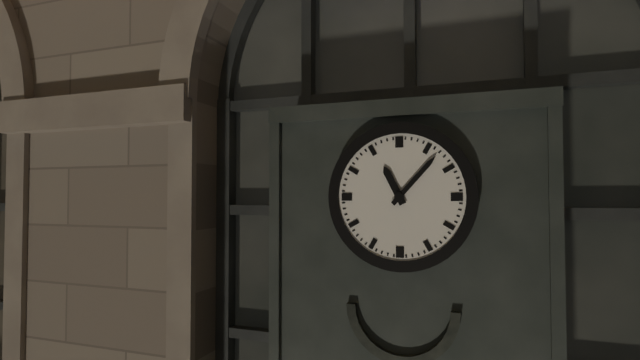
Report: 11 h 07 min
